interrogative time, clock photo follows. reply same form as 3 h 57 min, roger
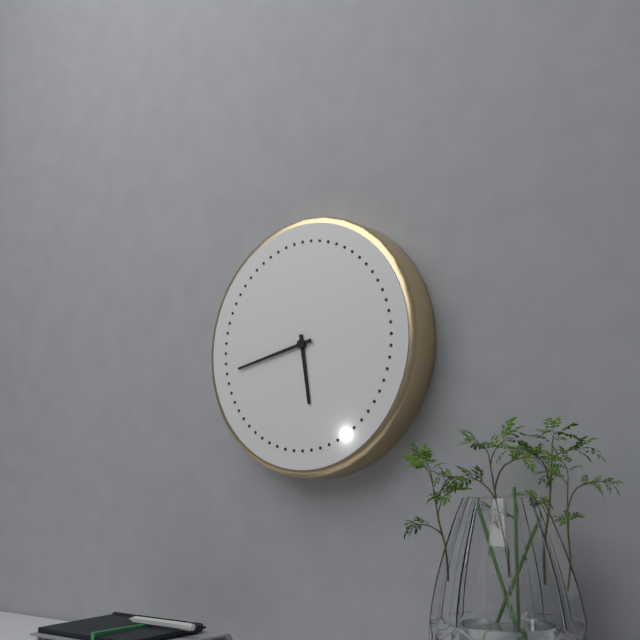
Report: 5 h 43 min
